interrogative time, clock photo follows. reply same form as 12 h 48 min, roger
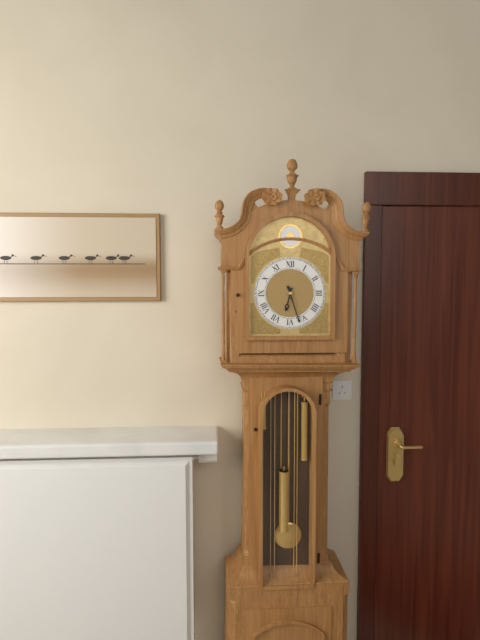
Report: 6 h 27 min
